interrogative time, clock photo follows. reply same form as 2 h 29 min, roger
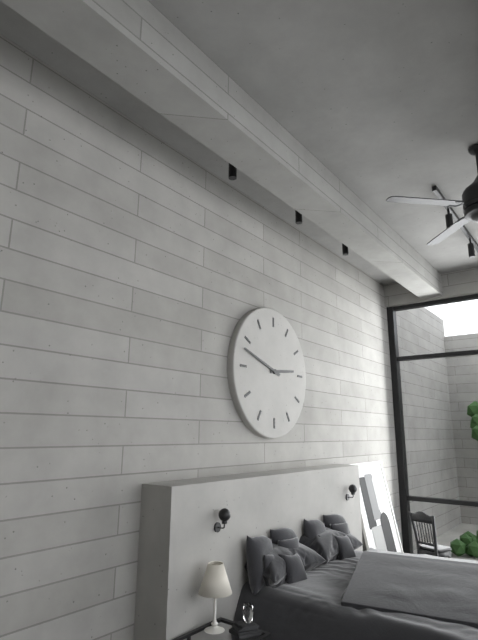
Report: 2 h 48 min
